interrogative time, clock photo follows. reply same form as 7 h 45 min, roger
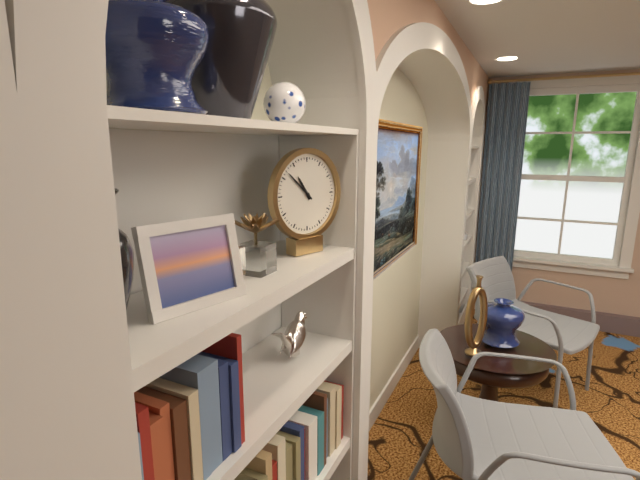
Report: 10 h 52 min
